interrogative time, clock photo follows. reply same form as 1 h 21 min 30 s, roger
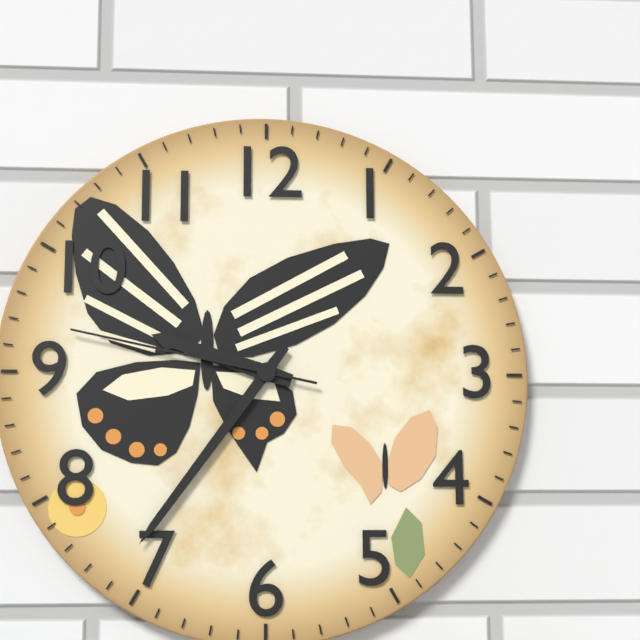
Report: 9 h 36 min 47 s
